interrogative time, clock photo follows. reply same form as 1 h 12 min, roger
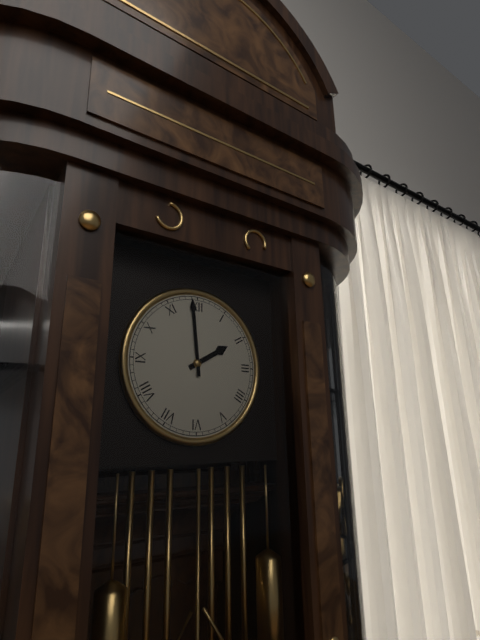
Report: 1 h 59 min
